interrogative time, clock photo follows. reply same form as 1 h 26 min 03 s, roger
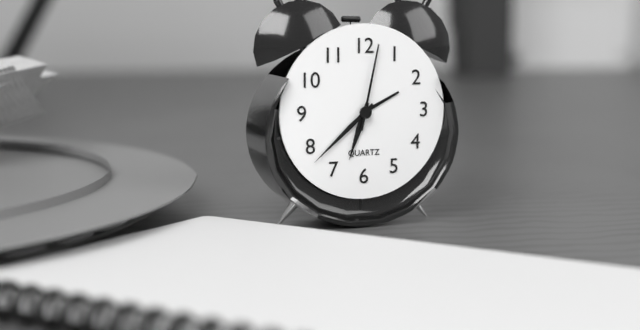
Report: 6 h 38 min 02 s
